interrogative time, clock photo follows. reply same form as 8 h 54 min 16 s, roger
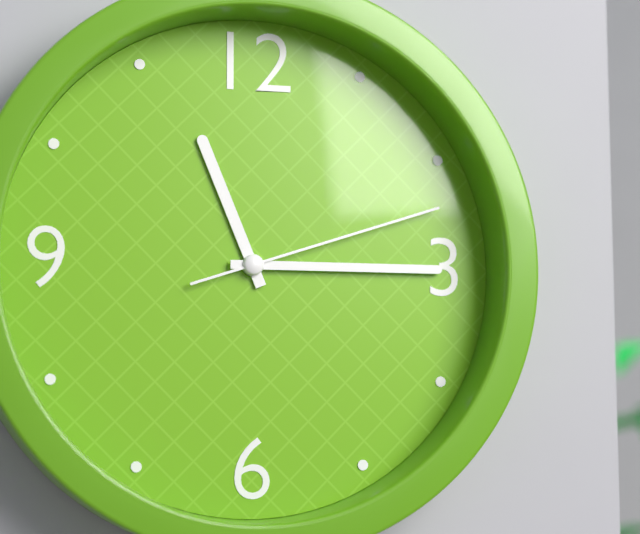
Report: 11 h 15 min 12 s
